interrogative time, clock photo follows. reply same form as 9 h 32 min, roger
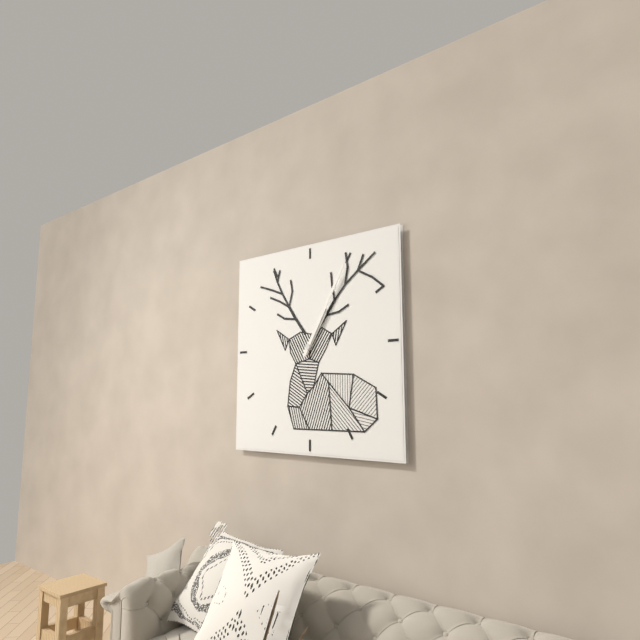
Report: 1 h 05 min
